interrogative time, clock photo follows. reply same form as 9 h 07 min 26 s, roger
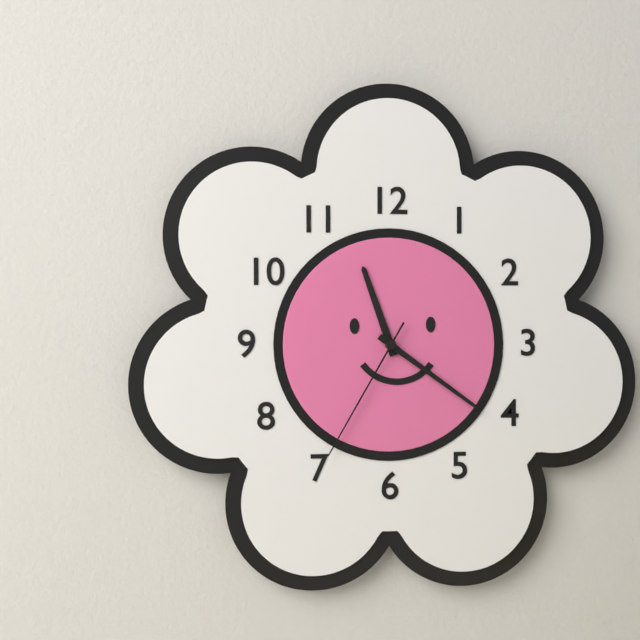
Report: 11 h 21 min 35 s
